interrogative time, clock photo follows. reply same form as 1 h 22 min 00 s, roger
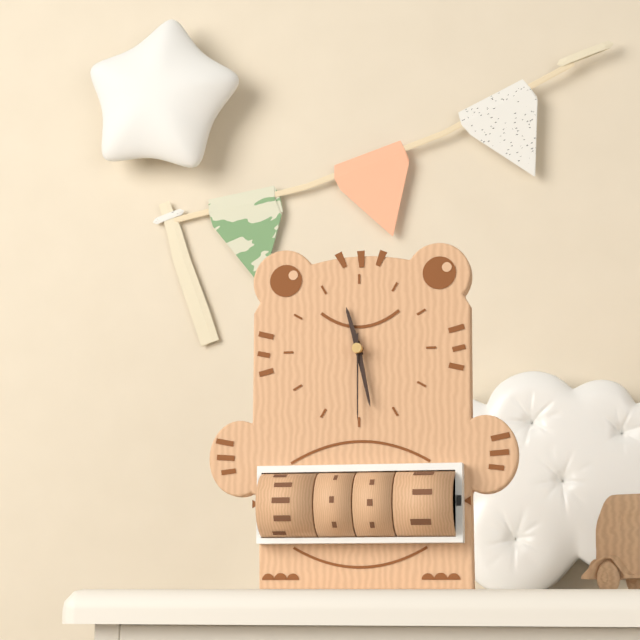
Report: 11 h 28 min 30 s
